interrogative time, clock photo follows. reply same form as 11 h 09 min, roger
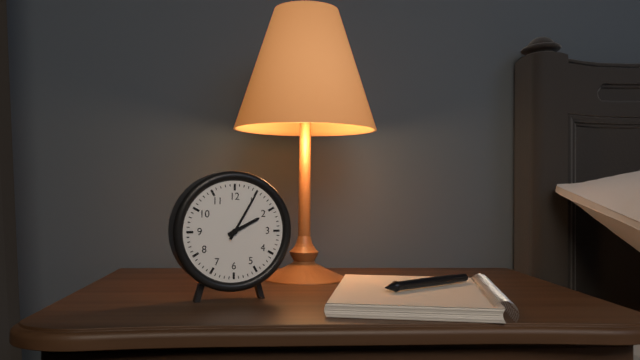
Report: 2 h 05 min
